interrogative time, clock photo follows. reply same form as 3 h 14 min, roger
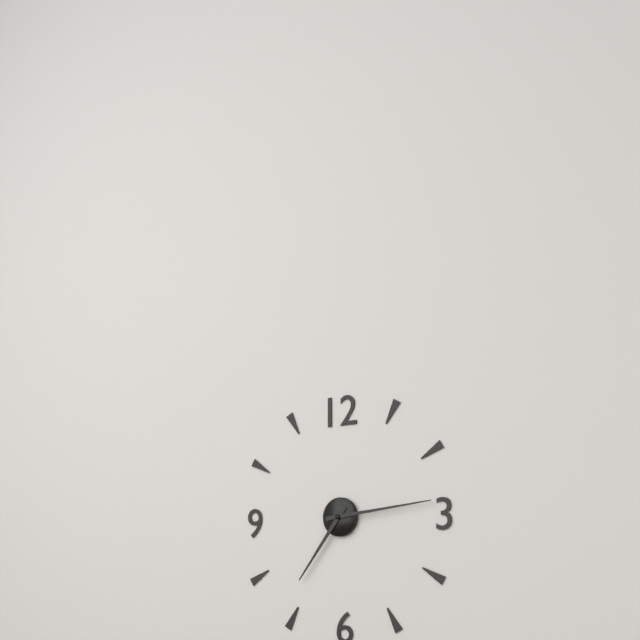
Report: 7 h 14 min
